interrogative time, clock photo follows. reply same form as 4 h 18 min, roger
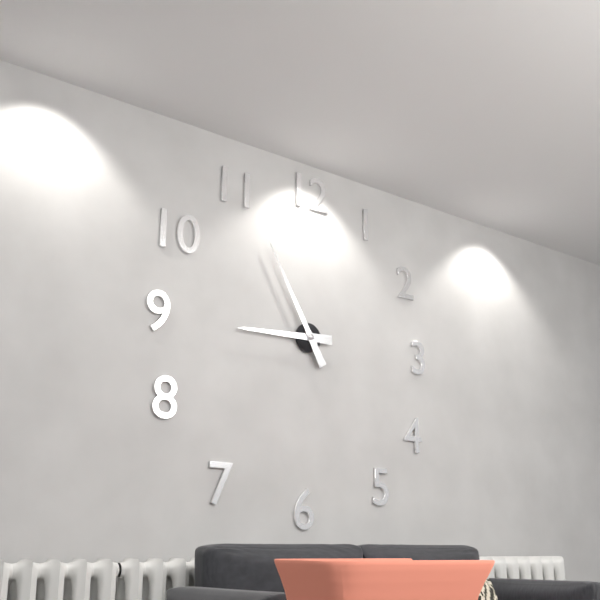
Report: 8 h 55 min
